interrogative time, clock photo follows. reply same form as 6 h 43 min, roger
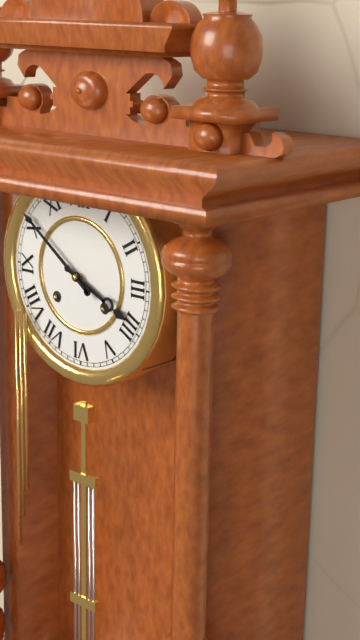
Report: 3 h 51 min
